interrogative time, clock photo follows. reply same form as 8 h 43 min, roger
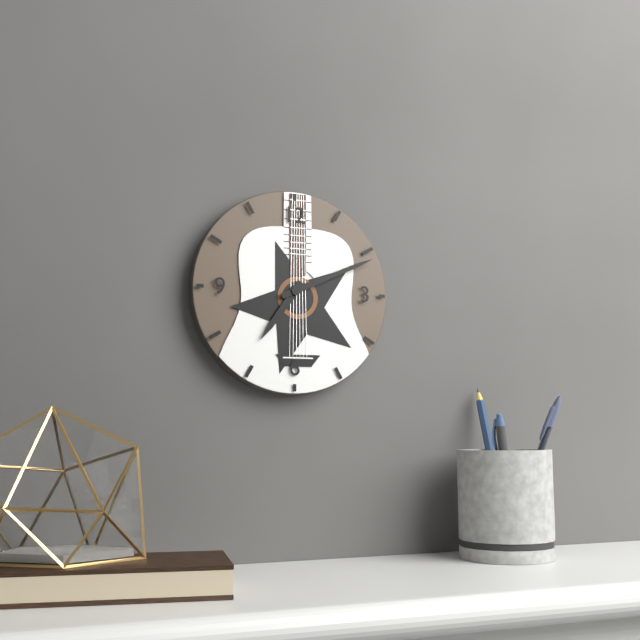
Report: 7 h 11 min
